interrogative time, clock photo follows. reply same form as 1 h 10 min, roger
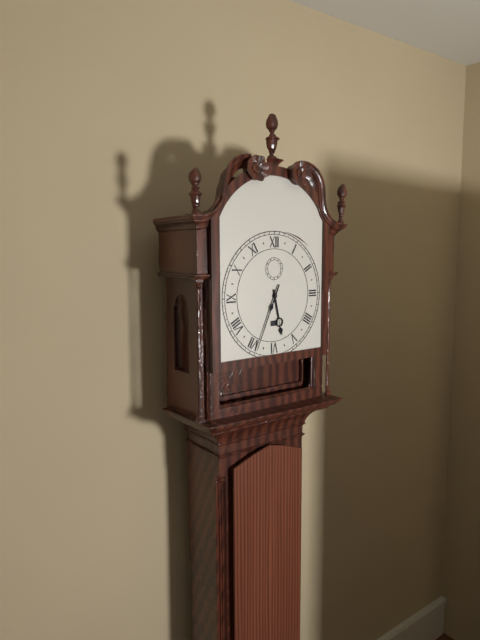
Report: 5 h 34 min
